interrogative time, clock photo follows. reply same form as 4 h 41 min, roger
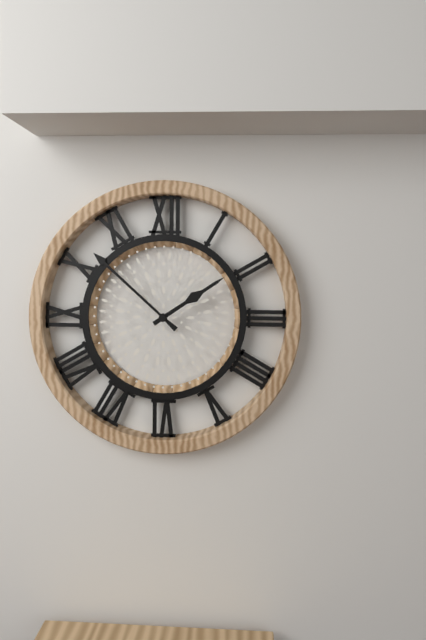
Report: 1 h 52 min
